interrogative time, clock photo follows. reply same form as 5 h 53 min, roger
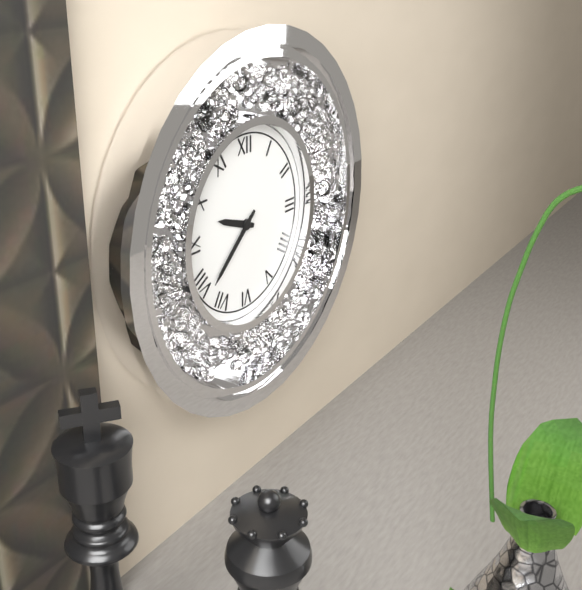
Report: 9 h 38 min
